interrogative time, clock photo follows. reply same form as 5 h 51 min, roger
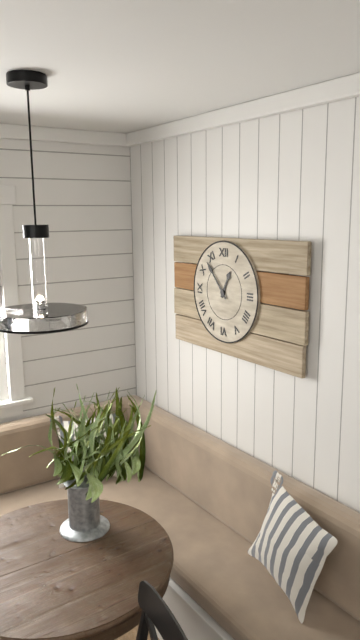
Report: 12 h 53 min
